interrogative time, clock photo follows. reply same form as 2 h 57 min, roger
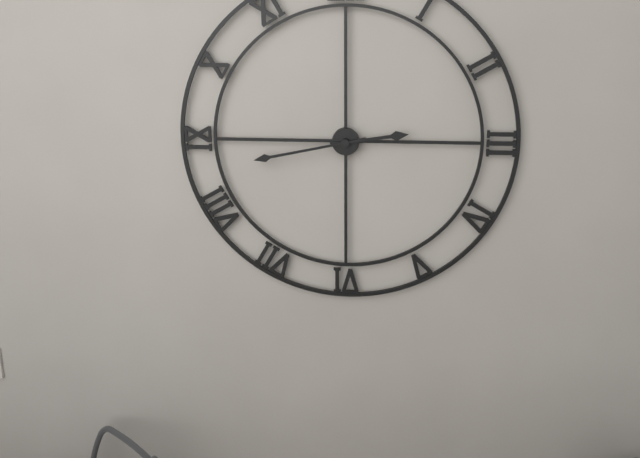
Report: 2 h 43 min
